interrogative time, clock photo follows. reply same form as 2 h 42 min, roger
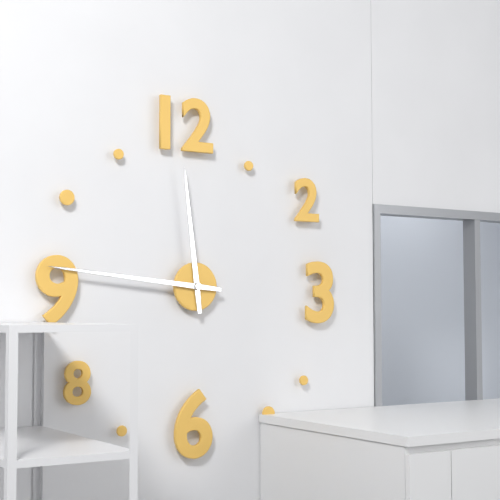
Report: 11 h 46 min
